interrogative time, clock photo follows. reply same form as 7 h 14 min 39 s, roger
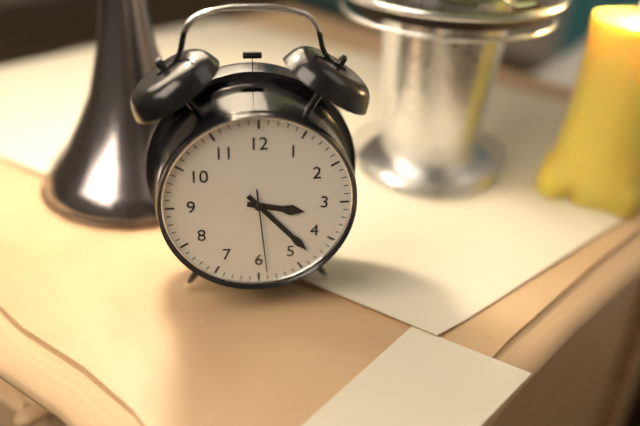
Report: 3 h 23 min 29 s
